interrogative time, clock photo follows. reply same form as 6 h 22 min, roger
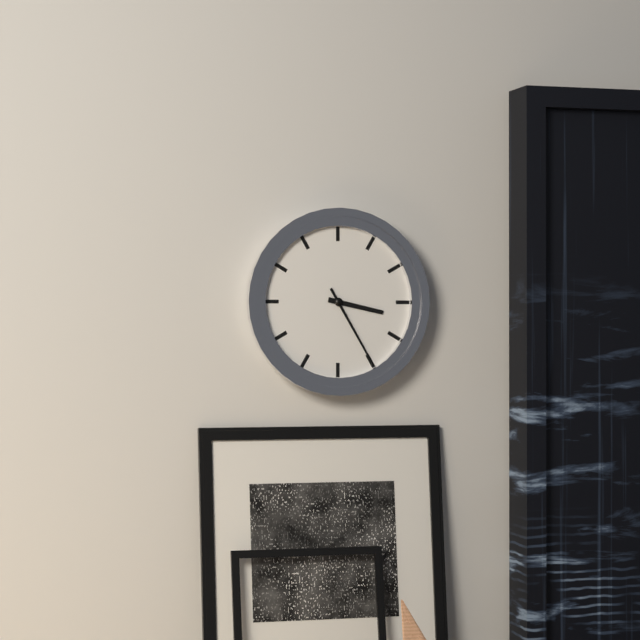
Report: 3 h 25 min
